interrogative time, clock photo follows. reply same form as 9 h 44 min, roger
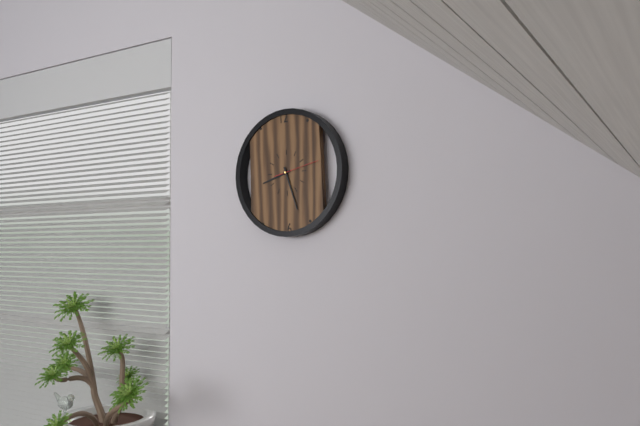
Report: 8 h 27 min
